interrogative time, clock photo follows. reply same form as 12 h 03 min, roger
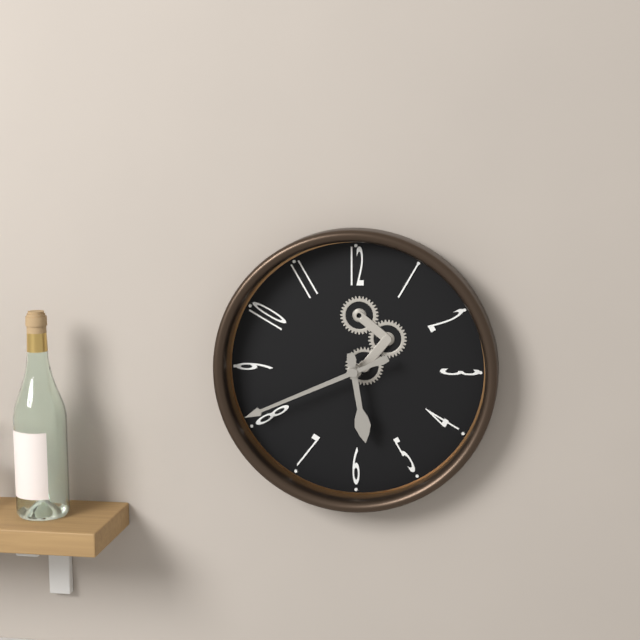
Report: 5 h 41 min
